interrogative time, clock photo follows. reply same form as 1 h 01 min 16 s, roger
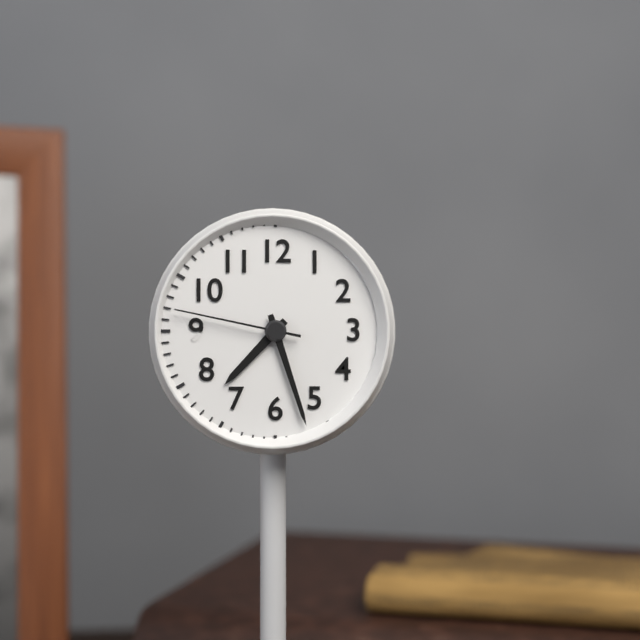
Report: 7 h 27 min 47 s
